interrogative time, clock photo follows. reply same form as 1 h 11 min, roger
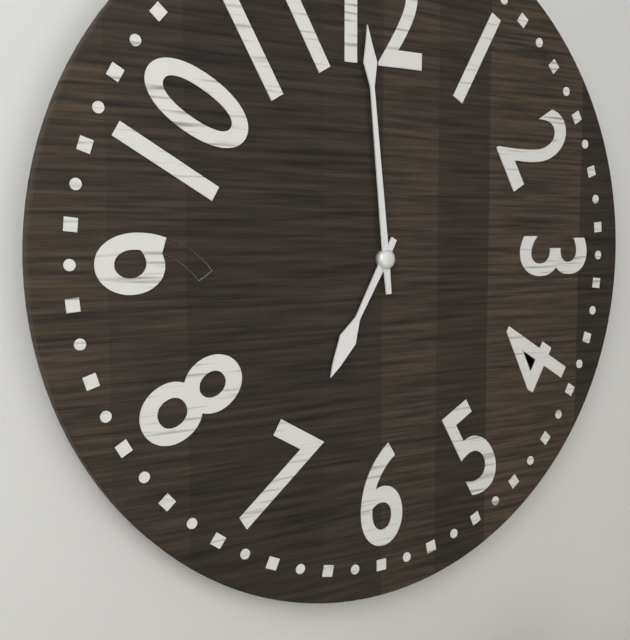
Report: 6 h 59 min
